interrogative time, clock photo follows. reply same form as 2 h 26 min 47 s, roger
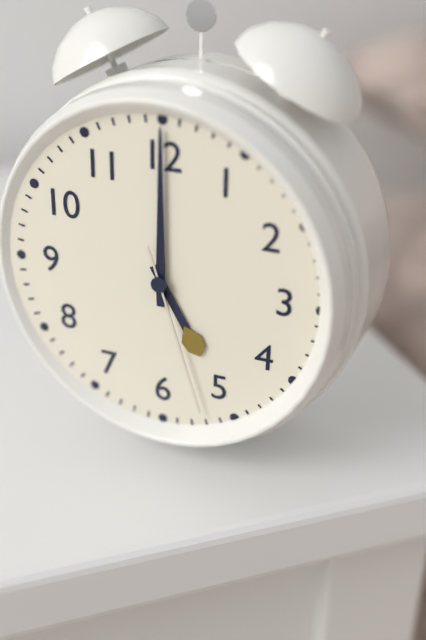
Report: 5 h 00 min 27 s
